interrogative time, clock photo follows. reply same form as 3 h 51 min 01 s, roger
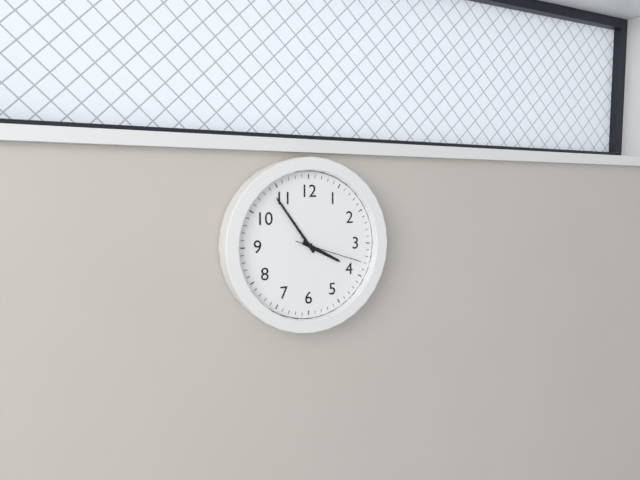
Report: 3 h 54 min 18 s
